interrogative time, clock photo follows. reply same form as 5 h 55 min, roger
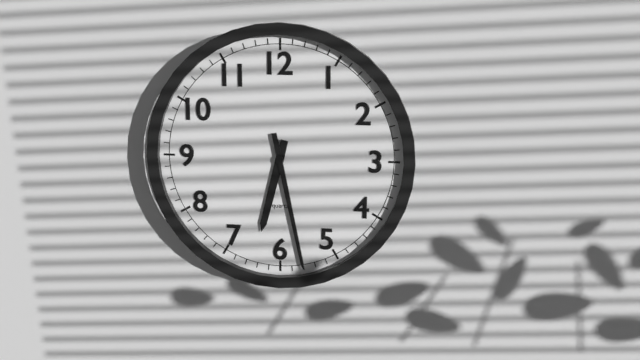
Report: 6 h 28 min
